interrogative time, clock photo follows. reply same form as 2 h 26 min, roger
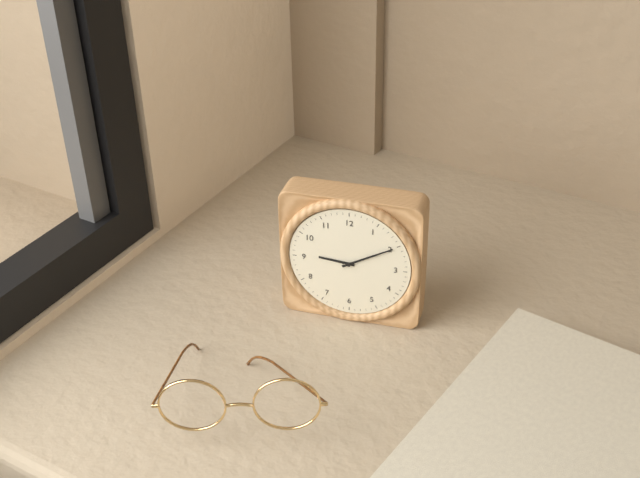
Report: 9 h 10 min
